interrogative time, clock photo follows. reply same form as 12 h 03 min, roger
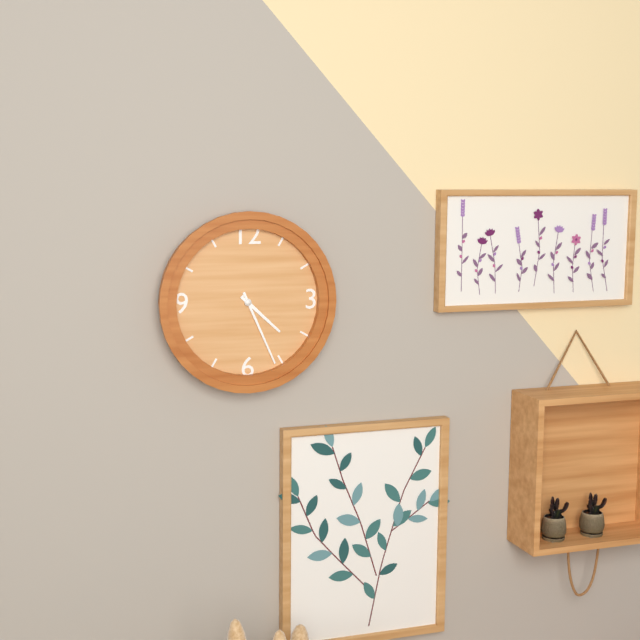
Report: 4 h 26 min
